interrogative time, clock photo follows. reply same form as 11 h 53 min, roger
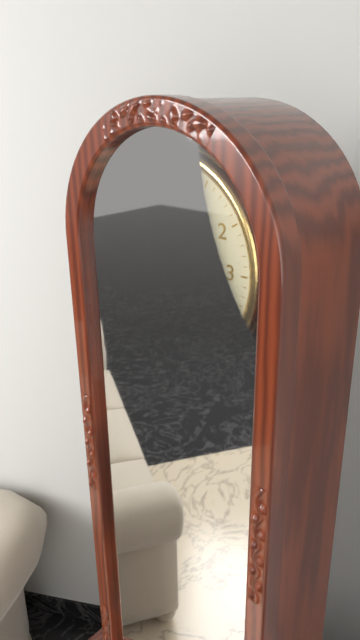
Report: 10 h 23 min
